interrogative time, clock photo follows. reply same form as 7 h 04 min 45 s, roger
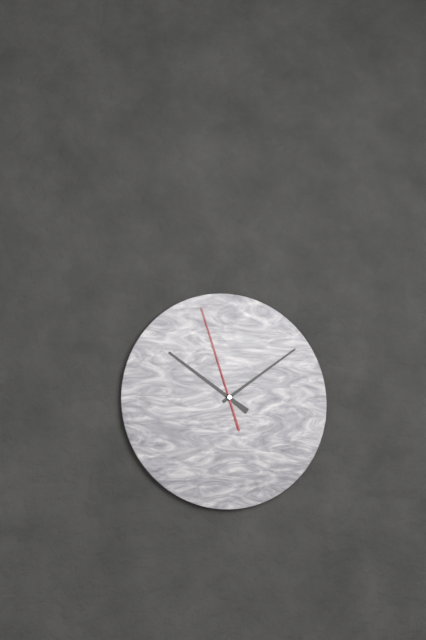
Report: 10 h 09 min 57 s
